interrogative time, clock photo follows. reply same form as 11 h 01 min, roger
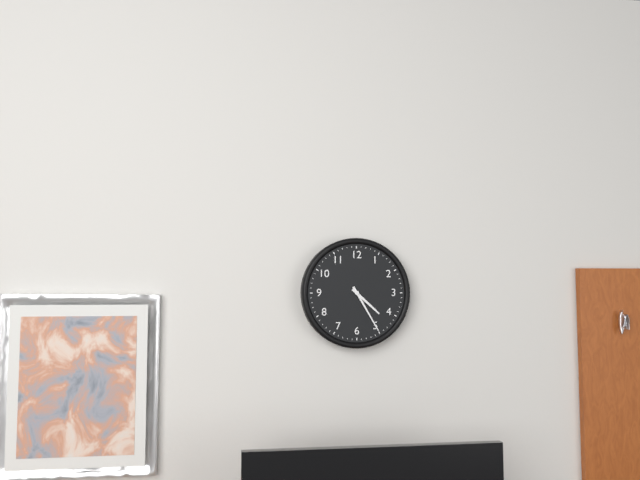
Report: 4 h 25 min
